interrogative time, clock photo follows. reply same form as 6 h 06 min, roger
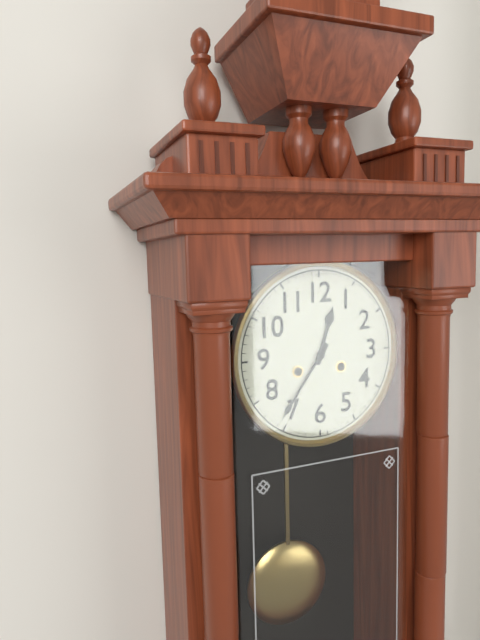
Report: 12 h 36 min
